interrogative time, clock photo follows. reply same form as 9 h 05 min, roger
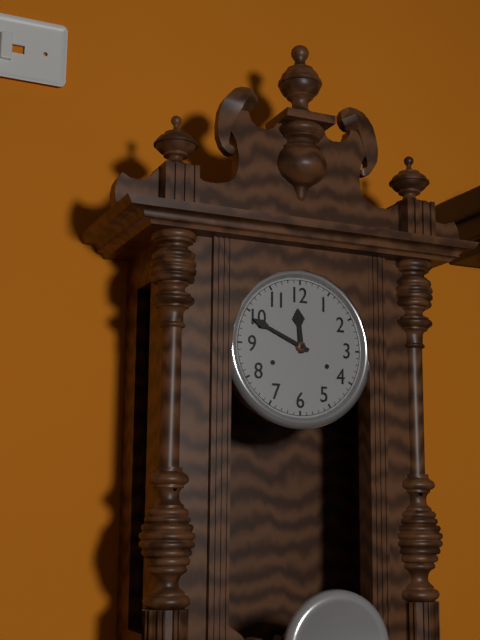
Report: 11 h 49 min
